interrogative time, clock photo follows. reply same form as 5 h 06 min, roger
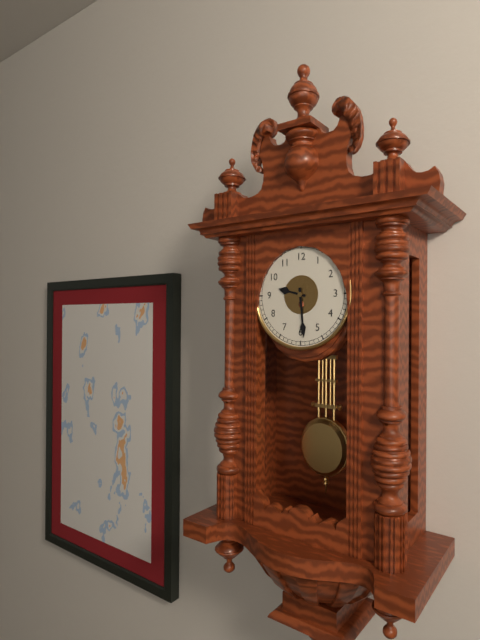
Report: 9 h 29 min
